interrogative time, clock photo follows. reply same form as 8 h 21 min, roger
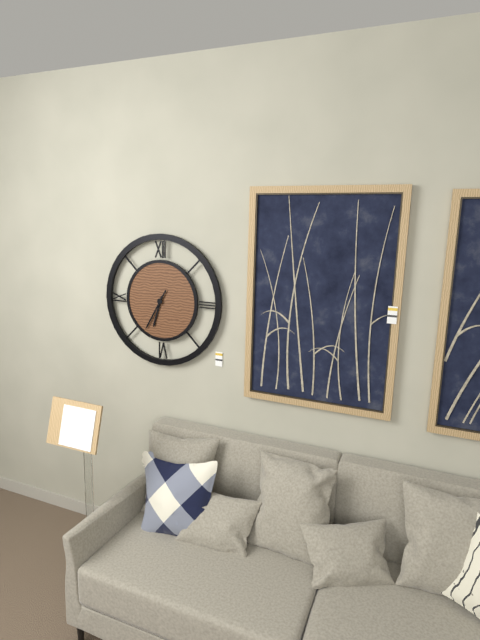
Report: 6 h 35 min
